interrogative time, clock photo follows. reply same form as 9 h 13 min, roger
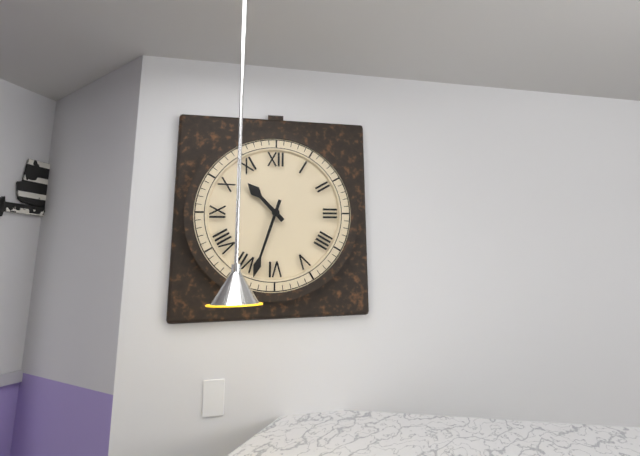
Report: 10 h 33 min
